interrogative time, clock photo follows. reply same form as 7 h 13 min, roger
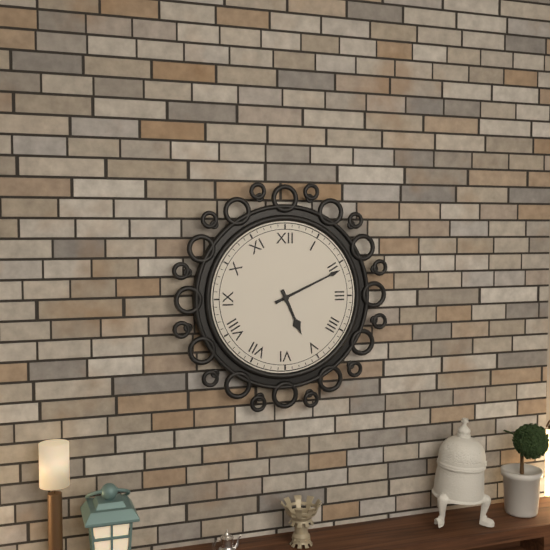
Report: 5 h 11 min
